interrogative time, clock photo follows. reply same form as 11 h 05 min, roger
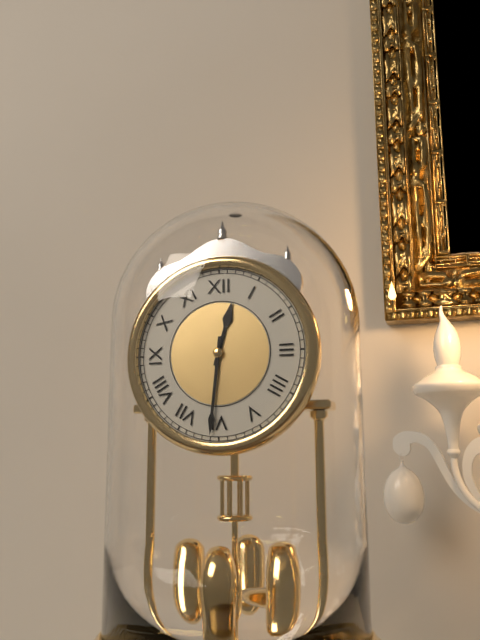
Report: 12 h 31 min
